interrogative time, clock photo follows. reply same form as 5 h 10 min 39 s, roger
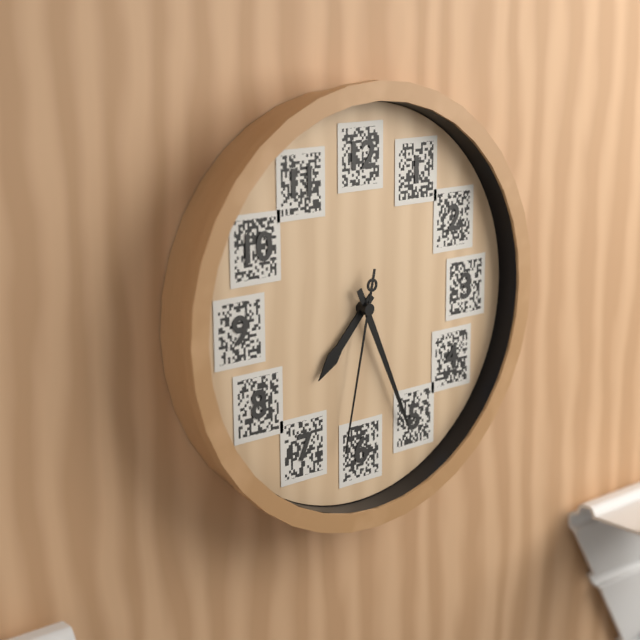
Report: 7 h 26 min 32 s
